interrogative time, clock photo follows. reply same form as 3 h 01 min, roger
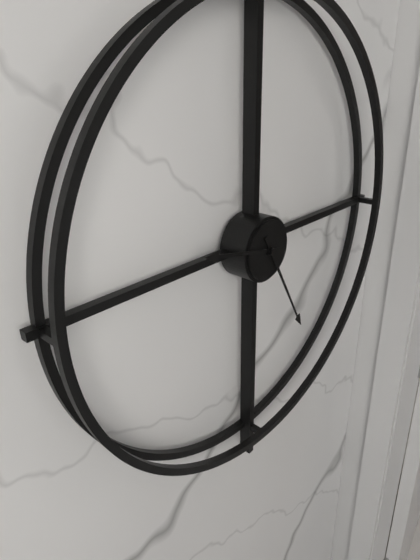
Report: 9 h 25 min
